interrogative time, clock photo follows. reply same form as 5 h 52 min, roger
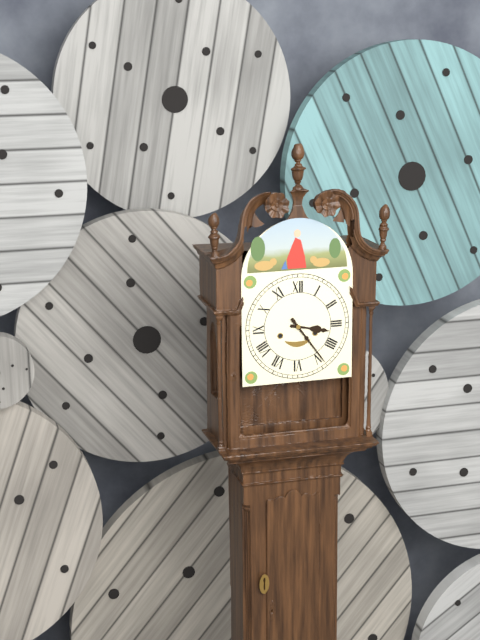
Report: 3 h 24 min
